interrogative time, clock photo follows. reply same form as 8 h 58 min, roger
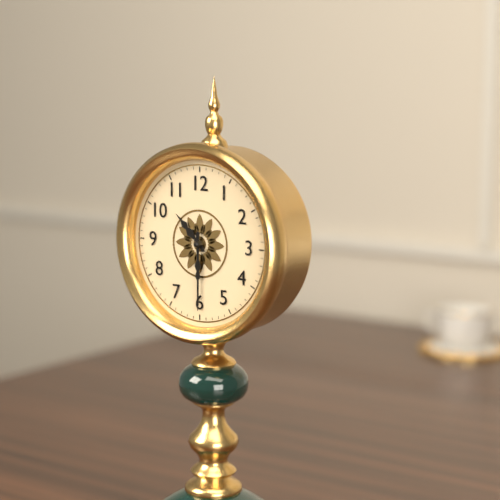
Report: 10 h 30 min
